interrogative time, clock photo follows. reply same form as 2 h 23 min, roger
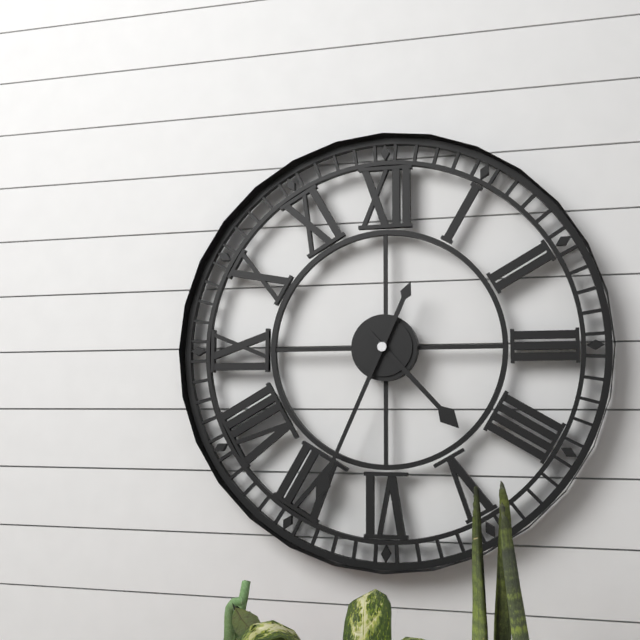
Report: 4 h 34 min
